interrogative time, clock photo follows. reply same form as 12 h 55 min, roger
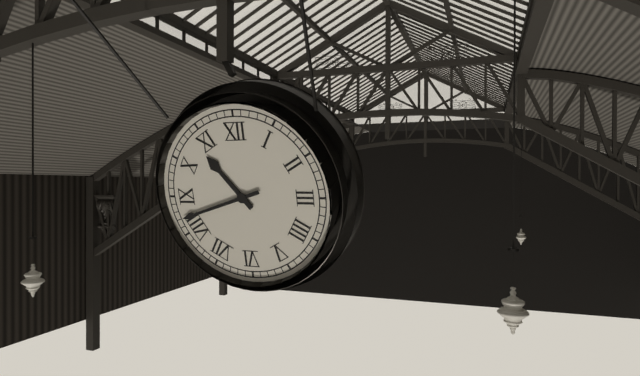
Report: 10 h 42 min
